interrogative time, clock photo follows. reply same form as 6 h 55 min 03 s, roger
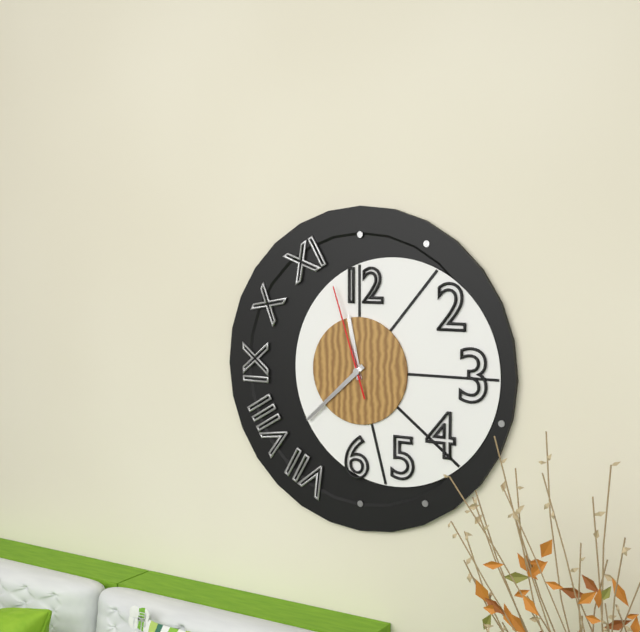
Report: 11 h 38 min 57 s
